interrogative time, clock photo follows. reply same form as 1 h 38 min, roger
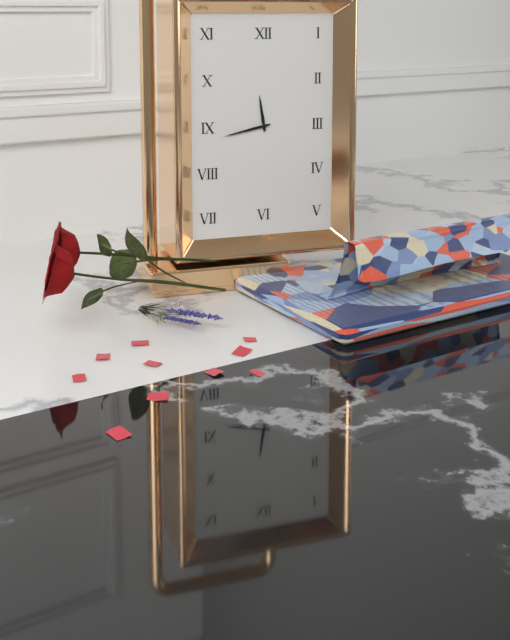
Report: 11 h 43 min
